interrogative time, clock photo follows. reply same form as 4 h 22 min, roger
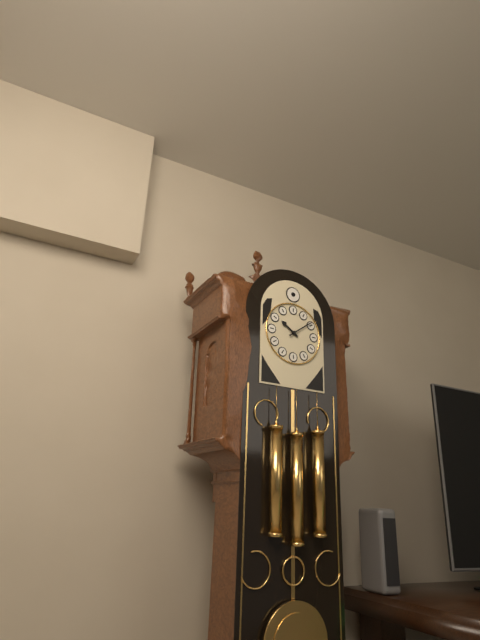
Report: 10 h 09 min
